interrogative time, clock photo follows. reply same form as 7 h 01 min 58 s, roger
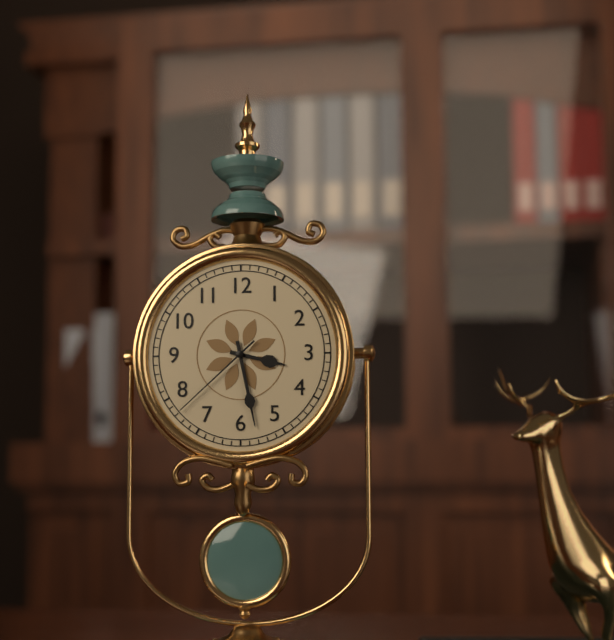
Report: 3 h 28 min 38 s
